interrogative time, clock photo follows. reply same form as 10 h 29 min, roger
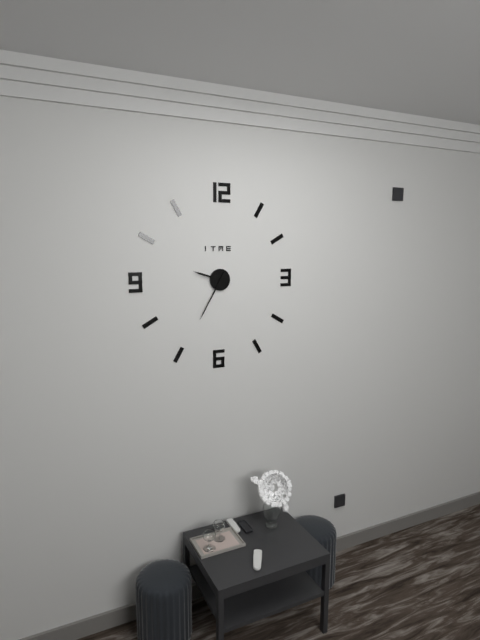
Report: 9 h 35 min
